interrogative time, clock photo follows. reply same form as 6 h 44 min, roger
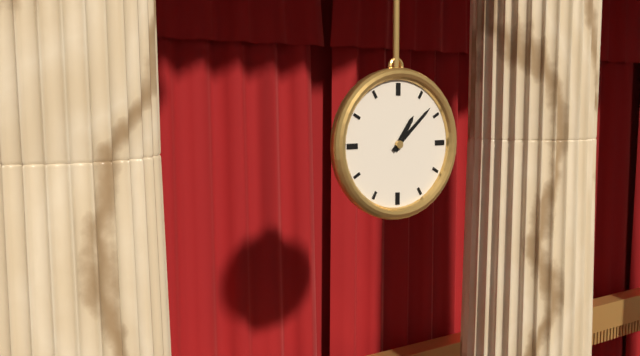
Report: 1 h 08 min
